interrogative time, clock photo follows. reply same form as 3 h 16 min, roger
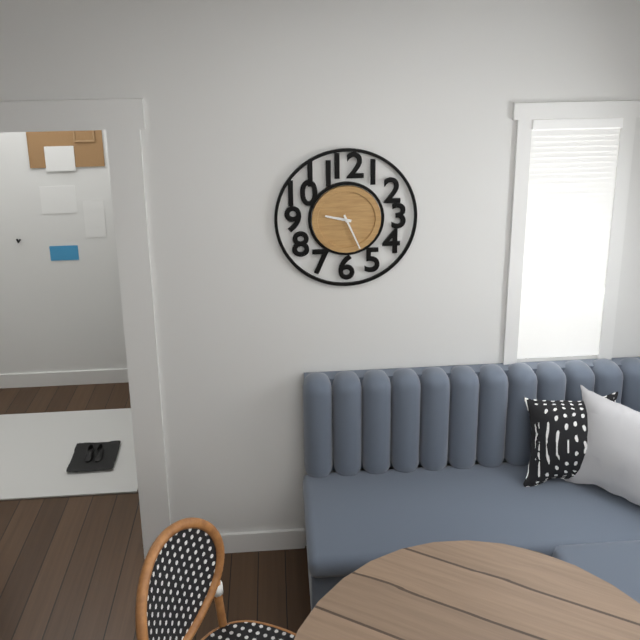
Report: 9 h 26 min
